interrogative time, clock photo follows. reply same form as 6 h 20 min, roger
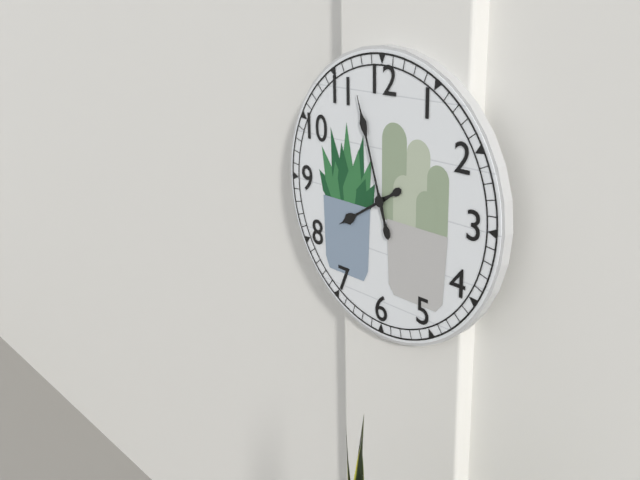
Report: 7 h 57 min
